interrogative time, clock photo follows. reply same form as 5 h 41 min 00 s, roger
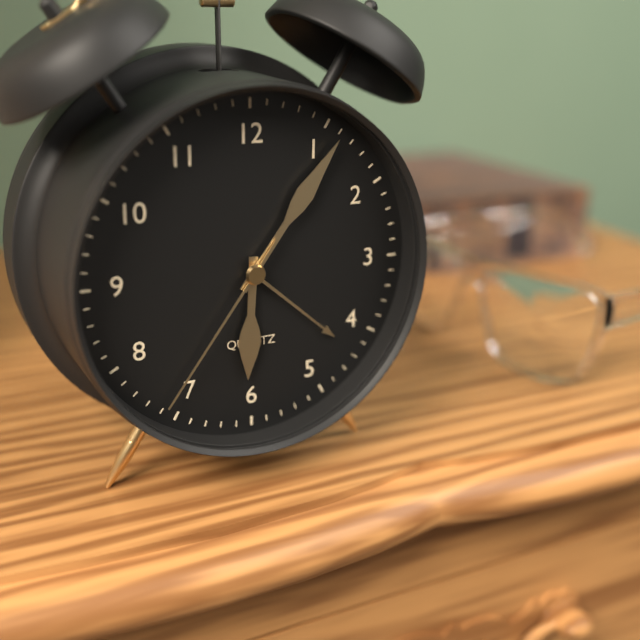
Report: 6 h 06 min 36 s
